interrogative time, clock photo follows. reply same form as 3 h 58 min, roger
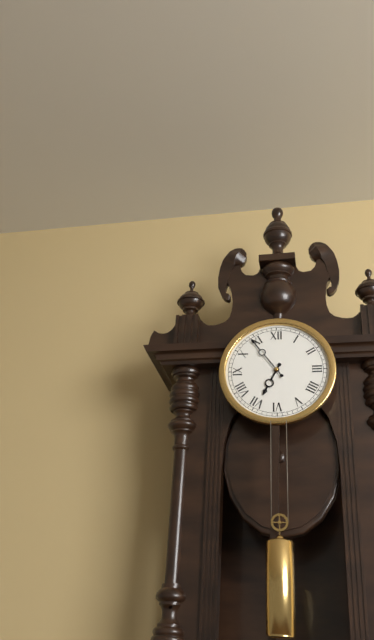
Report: 6 h 54 min
